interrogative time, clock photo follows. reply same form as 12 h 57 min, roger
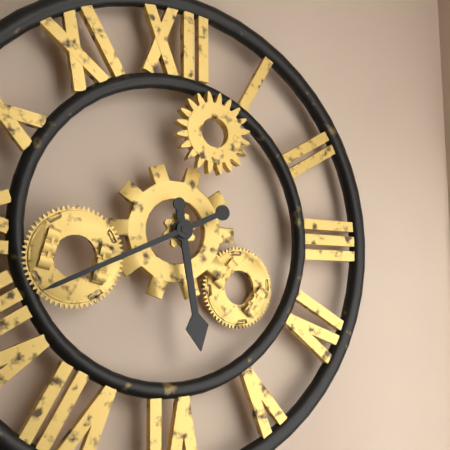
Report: 5 h 41 min
